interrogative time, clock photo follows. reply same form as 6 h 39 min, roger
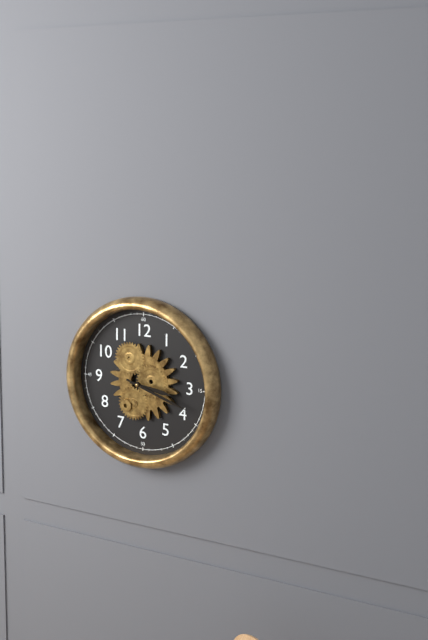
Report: 3 h 18 min
